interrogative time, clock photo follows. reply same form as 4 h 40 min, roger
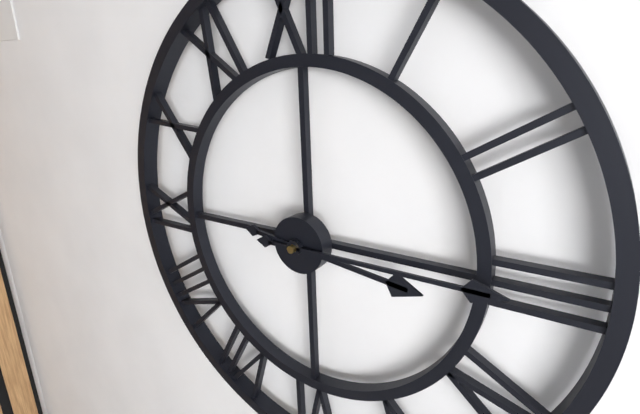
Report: 3 h 15 min
